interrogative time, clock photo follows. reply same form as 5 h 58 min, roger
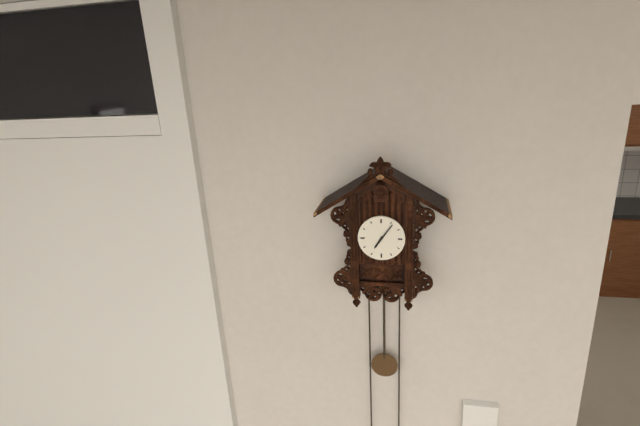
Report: 7 h 06 min
